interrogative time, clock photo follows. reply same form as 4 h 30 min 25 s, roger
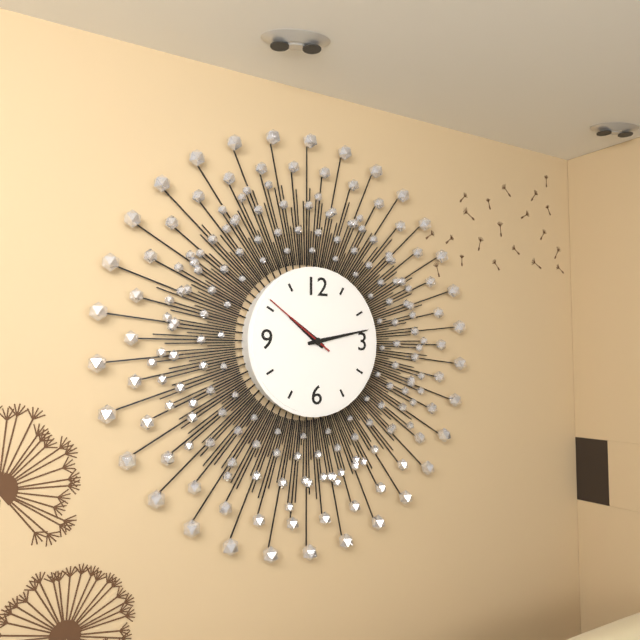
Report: 10 h 13 min 51 s
